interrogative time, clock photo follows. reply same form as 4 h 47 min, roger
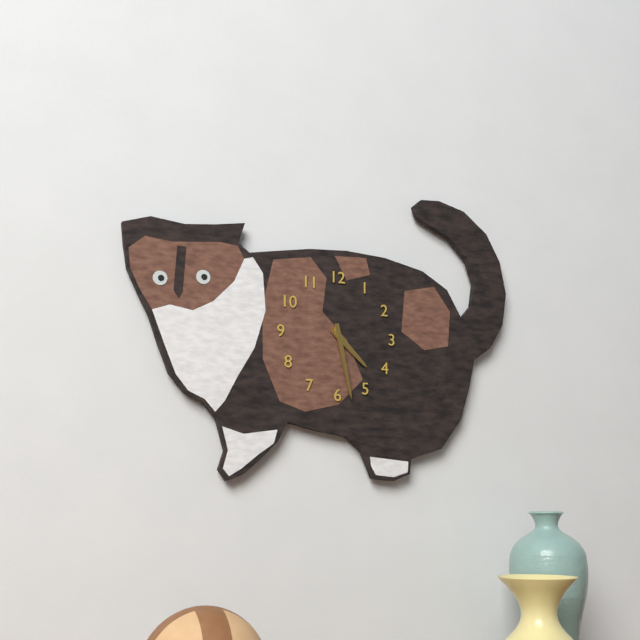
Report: 4 h 28 min
